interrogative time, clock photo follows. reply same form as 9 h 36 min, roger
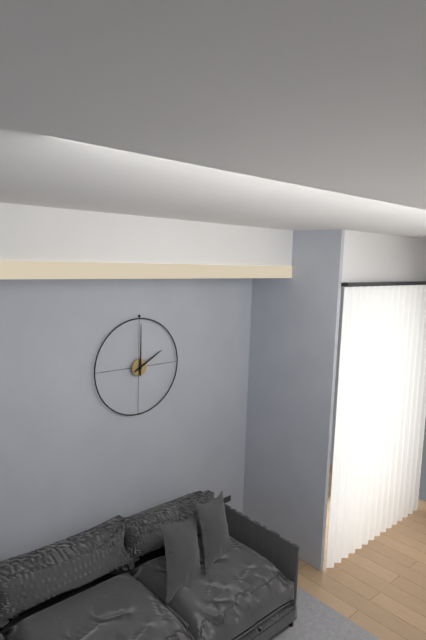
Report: 2 h 00 min
